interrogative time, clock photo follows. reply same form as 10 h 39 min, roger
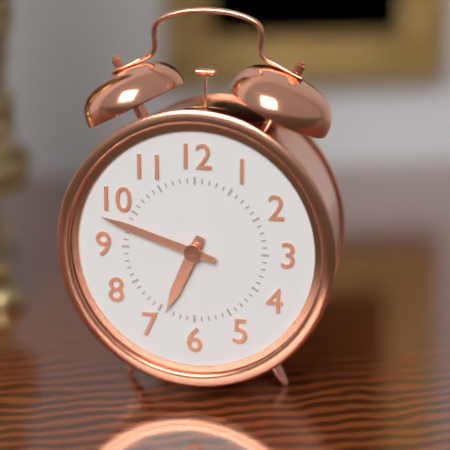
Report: 6 h 48 min
